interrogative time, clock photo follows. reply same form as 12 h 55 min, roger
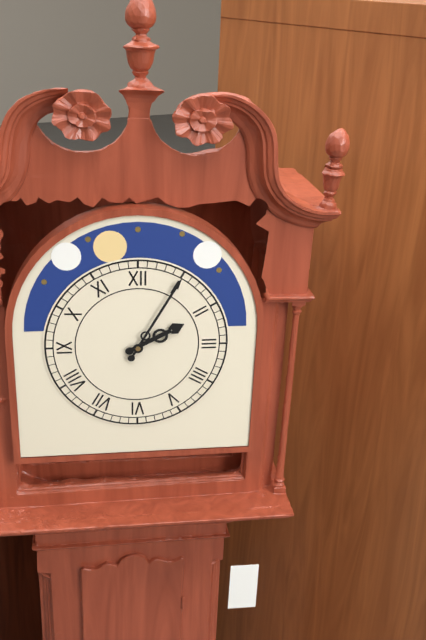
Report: 2 h 05 min
